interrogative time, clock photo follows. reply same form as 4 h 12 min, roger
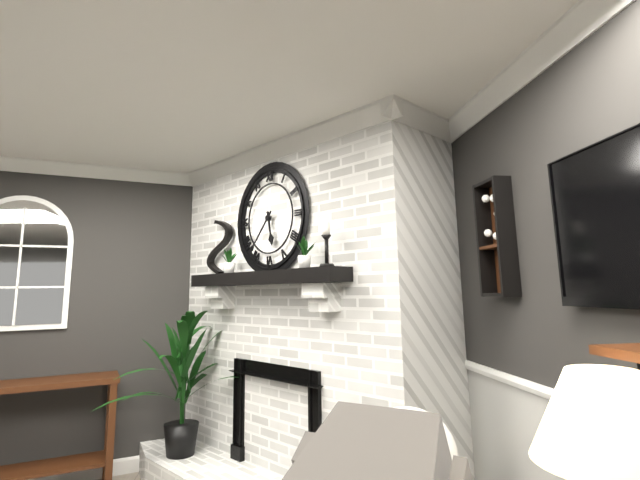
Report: 5 h 37 min
